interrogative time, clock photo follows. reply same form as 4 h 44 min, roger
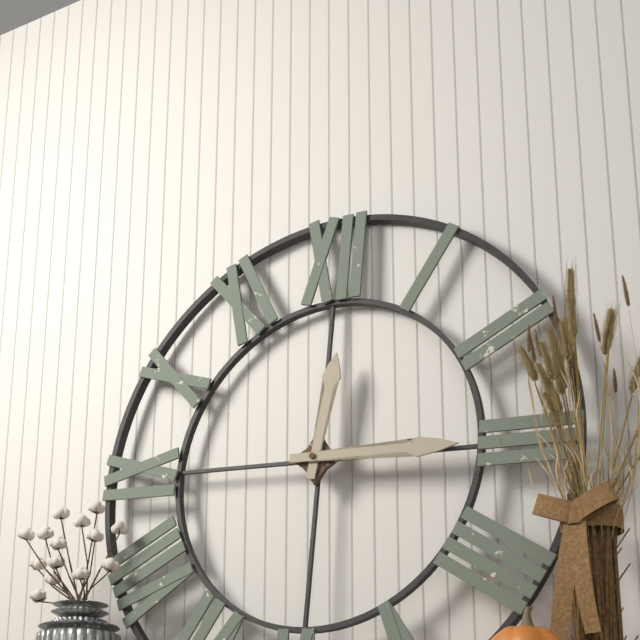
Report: 12 h 15 min
